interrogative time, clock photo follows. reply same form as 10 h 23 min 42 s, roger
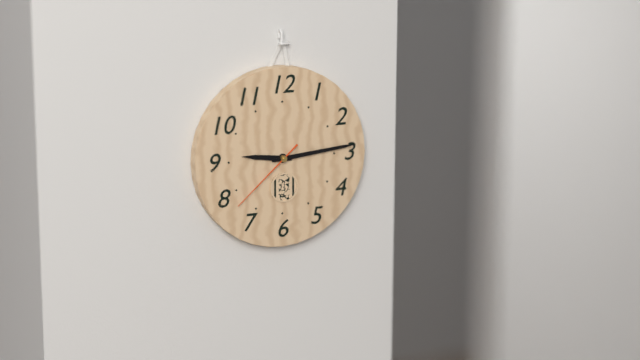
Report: 9 h 14 min 38 s
